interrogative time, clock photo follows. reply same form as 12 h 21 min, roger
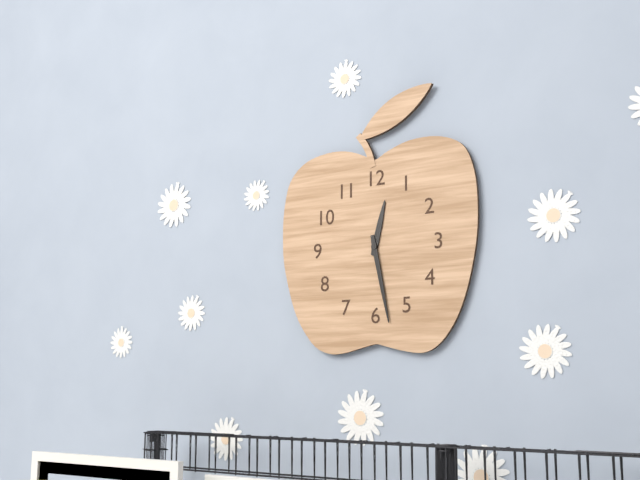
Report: 12 h 28 min
